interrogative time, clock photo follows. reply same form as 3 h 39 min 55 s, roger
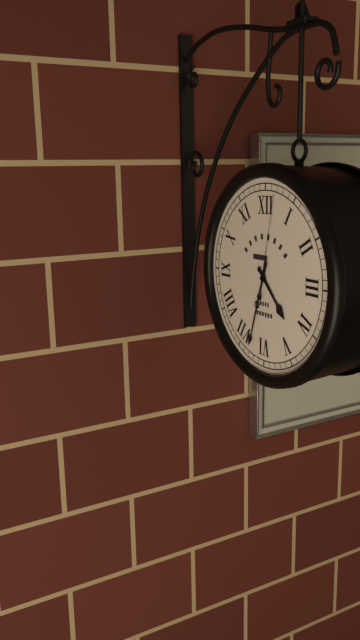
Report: 4 h 33 min 02 s
